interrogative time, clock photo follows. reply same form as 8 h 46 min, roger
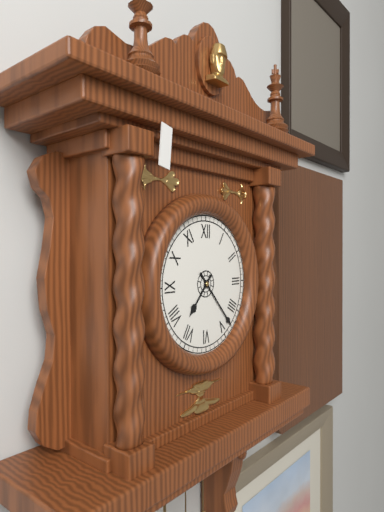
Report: 7 h 23 min
